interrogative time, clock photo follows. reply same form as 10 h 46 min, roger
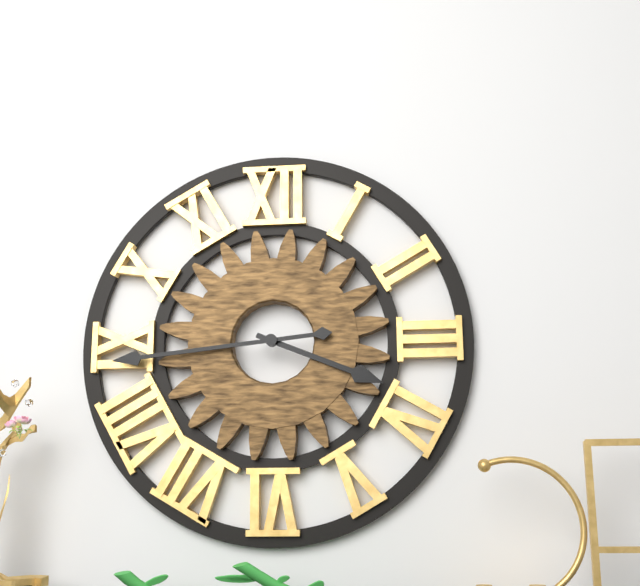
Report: 3 h 44 min
